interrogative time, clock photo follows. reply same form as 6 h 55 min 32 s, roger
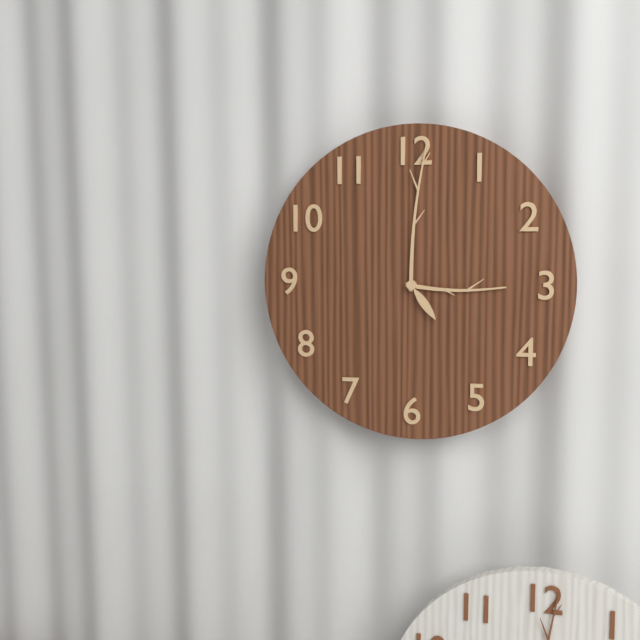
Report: 3 h 01 min 24 s
